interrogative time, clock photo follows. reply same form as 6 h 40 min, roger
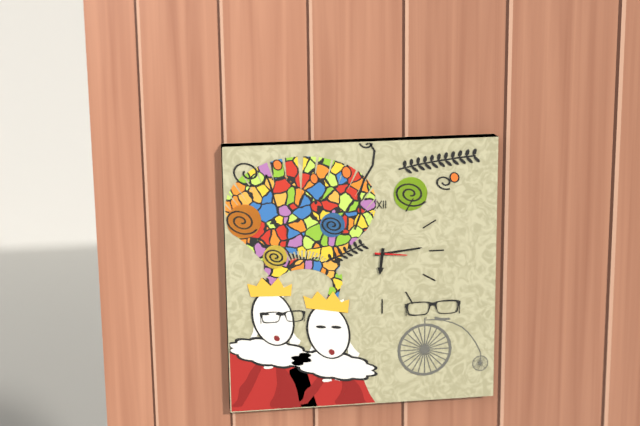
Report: 6 h 14 min
